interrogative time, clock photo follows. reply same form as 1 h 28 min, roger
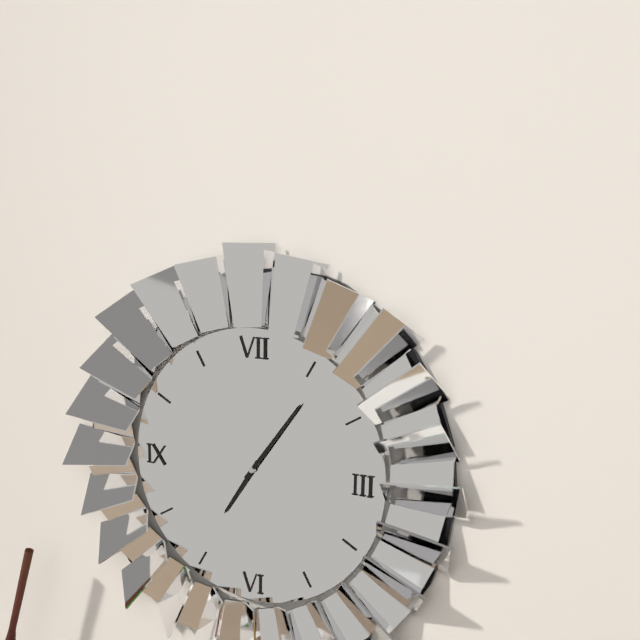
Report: 7 h 06 min
